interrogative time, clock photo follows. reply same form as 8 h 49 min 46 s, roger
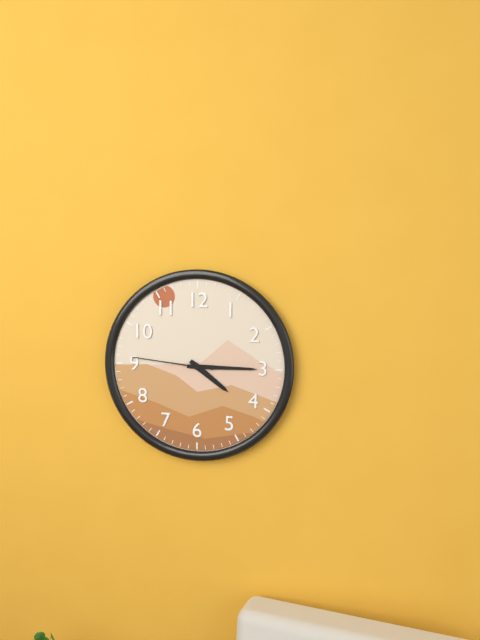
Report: 4 h 15 min 46 s
